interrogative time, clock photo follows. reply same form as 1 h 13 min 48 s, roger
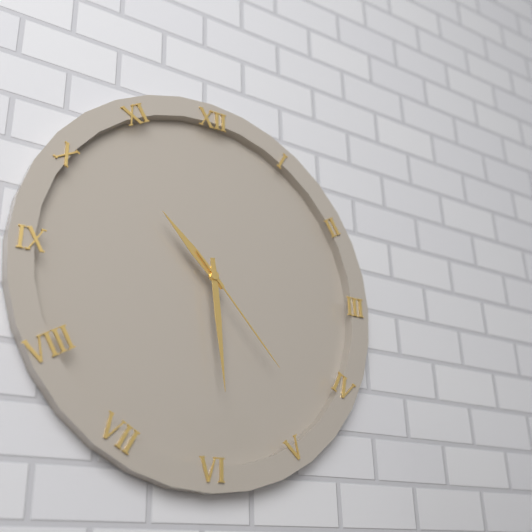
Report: 10 h 29 min 23 s
